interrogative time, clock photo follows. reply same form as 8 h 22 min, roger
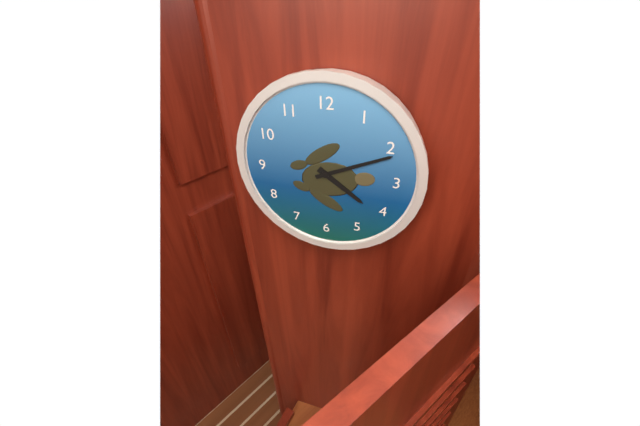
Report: 4 h 11 min
